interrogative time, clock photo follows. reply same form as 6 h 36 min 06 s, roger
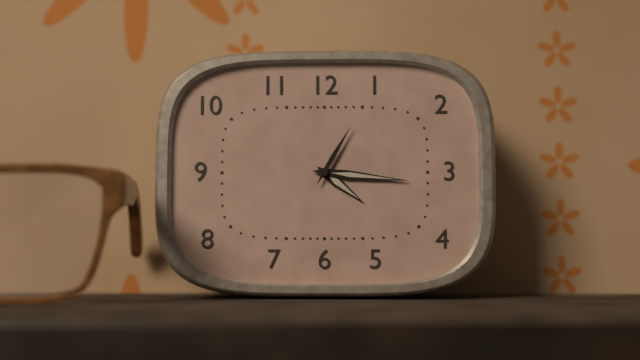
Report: 4 h 16 min 05 s
